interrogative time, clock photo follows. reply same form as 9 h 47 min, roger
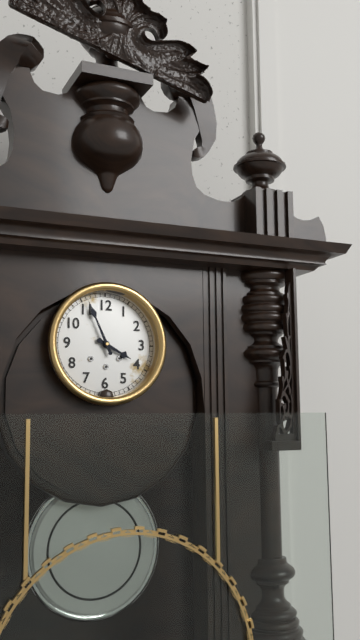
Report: 3 h 56 min
